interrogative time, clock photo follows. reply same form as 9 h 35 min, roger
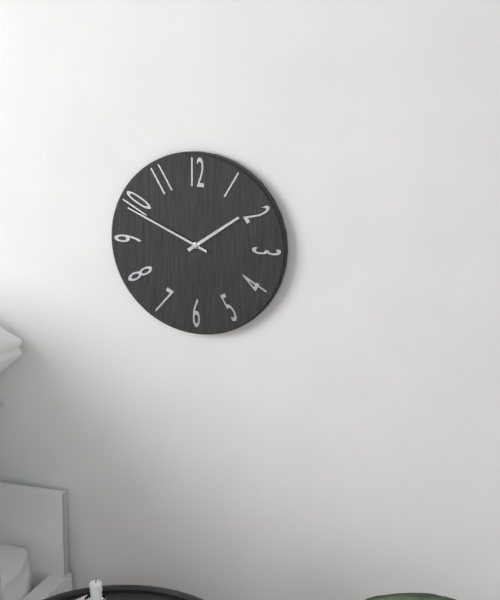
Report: 1 h 49 min
